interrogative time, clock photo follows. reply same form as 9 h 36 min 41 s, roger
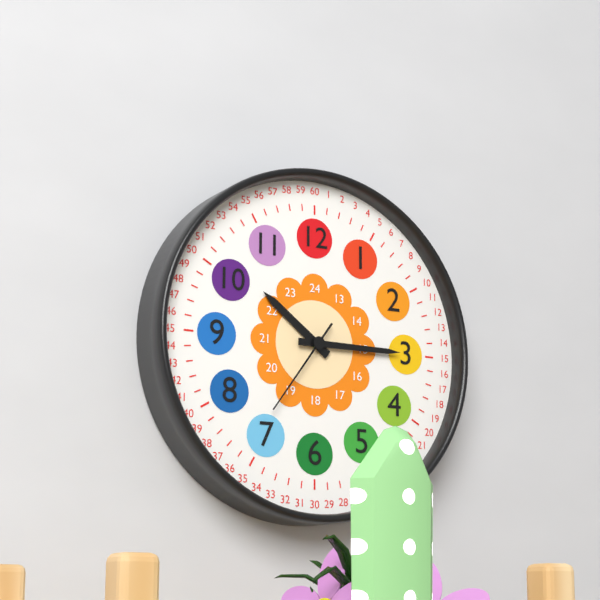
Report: 10 h 15 min 36 s
